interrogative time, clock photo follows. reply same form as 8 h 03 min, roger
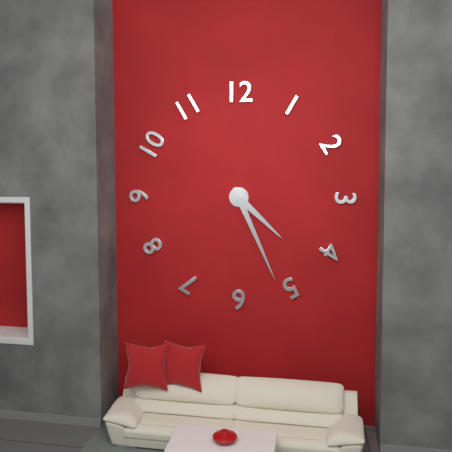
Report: 4 h 26 min
